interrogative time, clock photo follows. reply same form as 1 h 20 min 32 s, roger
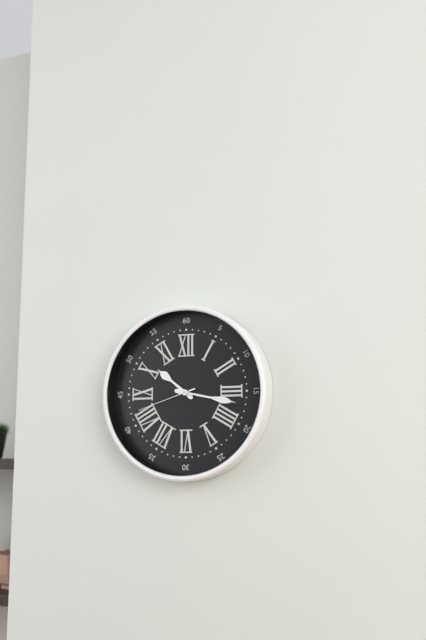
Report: 10 h 17 min 42 s
